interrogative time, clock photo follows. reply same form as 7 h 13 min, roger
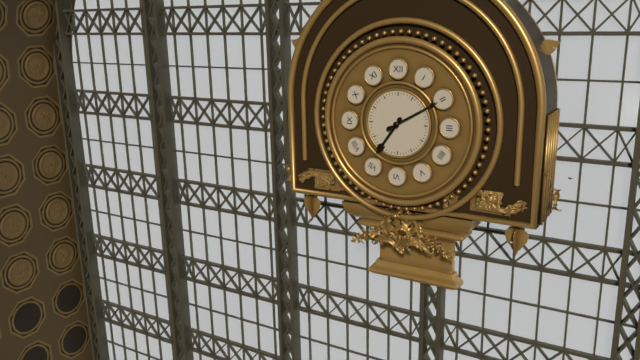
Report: 7 h 10 min
